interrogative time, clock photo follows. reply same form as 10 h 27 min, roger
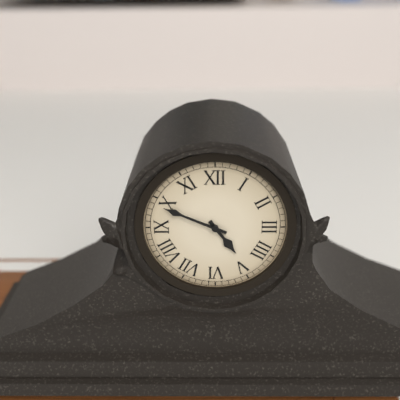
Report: 4 h 49 min
